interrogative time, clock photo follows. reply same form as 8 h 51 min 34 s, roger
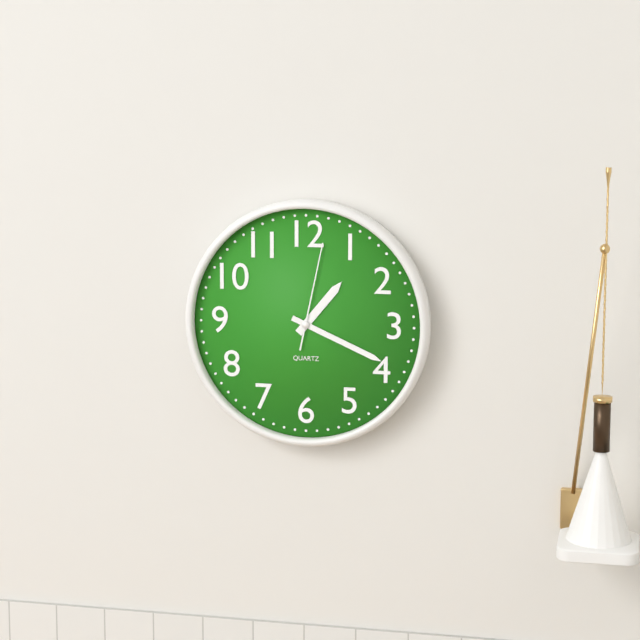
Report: 1 h 19 min 02 s
